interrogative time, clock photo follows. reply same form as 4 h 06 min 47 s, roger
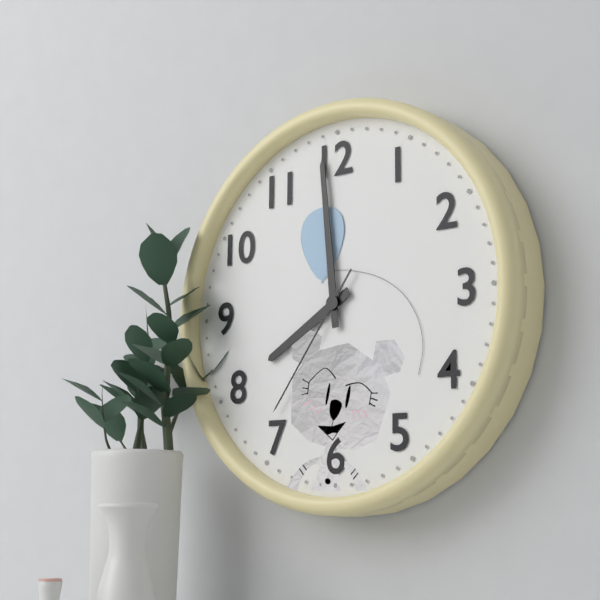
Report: 7 h 59 min 36 s
